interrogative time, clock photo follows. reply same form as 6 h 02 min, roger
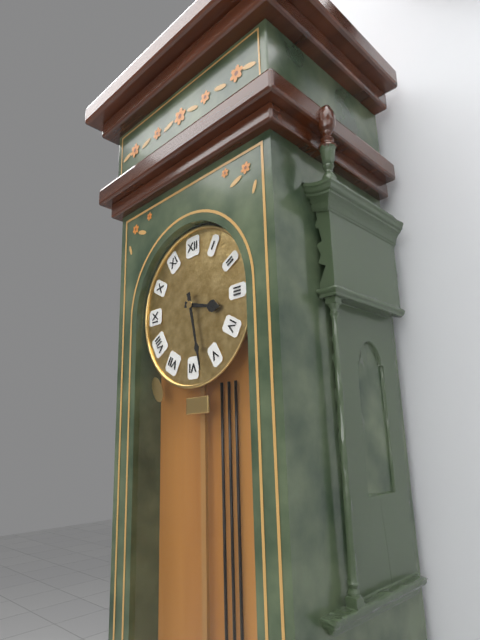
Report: 3 h 28 min
